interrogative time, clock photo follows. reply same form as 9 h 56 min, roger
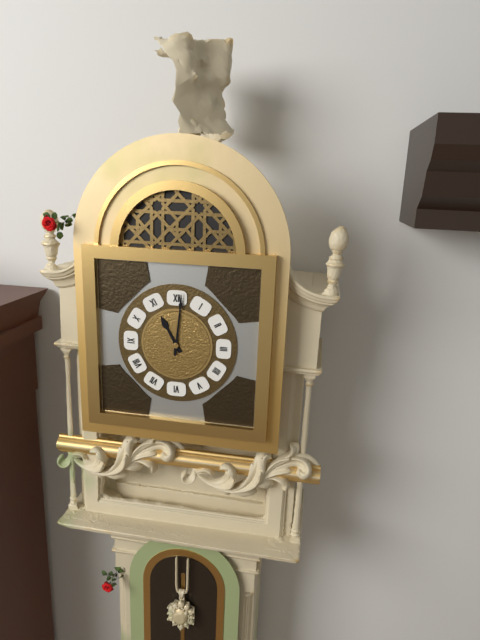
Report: 11 h 01 min
